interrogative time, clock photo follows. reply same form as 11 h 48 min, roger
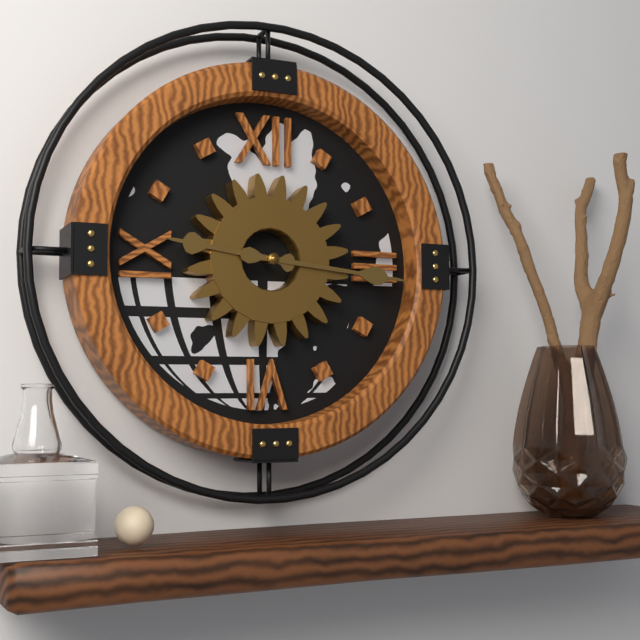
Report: 9 h 16 min
